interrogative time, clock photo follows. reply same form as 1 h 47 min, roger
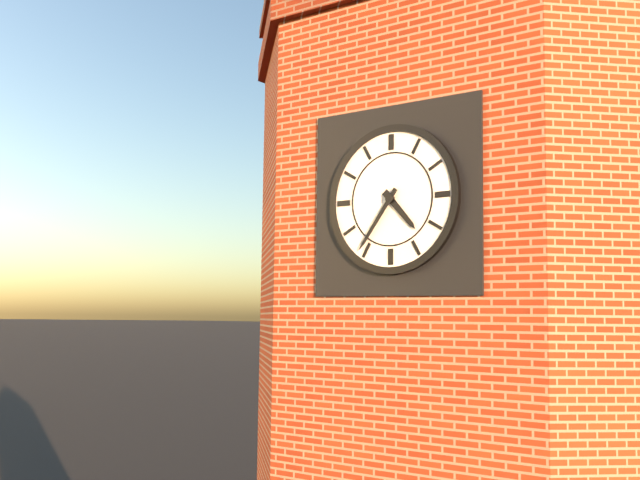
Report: 4 h 36 min
